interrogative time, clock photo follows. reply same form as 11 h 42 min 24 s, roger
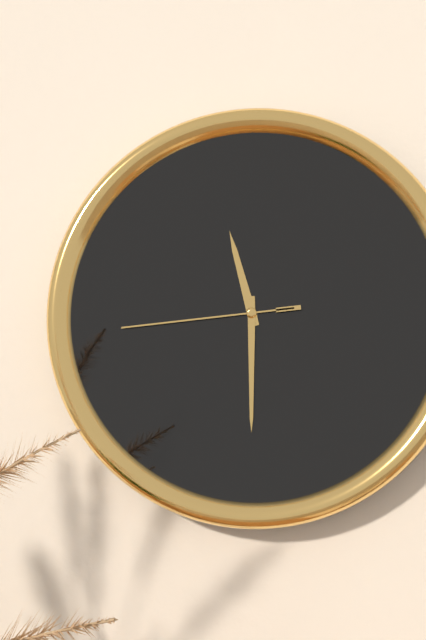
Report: 11 h 30 min 44 s
